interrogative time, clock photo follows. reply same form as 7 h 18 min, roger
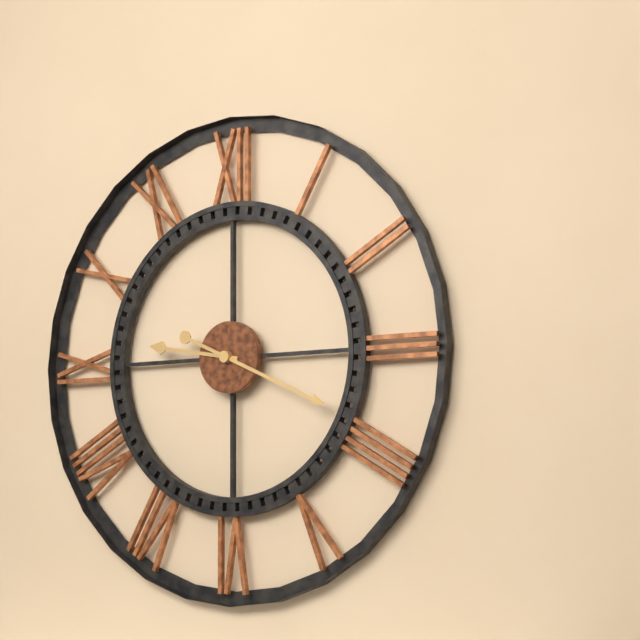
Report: 9 h 19 min
